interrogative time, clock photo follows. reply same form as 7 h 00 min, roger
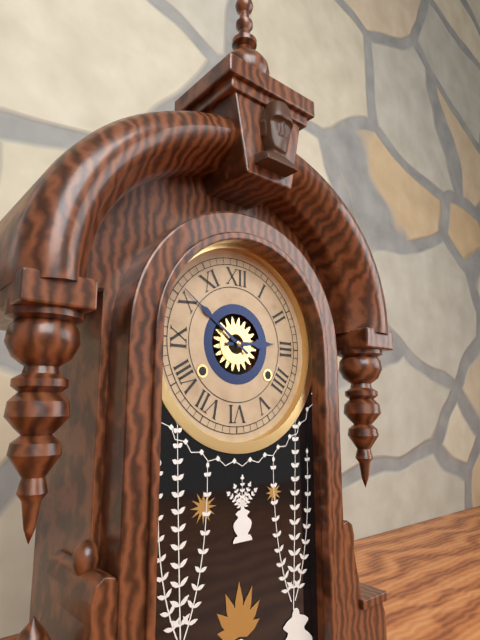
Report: 2 h 51 min
